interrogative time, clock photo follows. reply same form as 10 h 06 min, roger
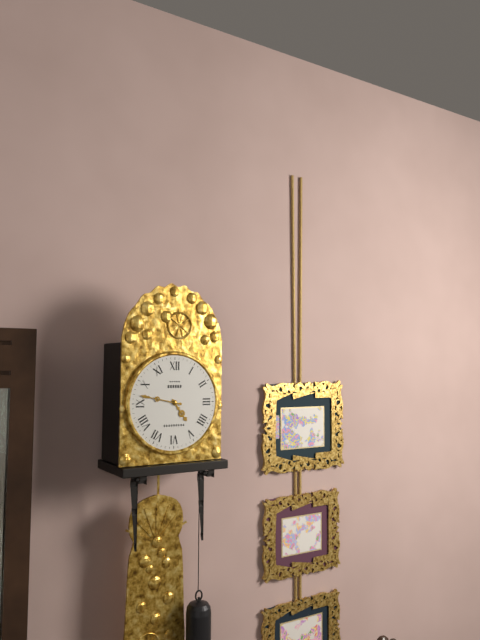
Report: 4 h 47 min
